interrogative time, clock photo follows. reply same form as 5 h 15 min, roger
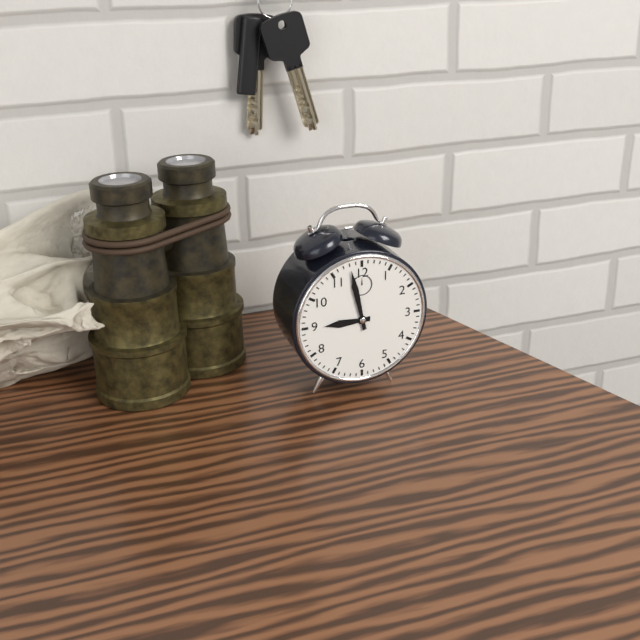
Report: 8 h 58 min
